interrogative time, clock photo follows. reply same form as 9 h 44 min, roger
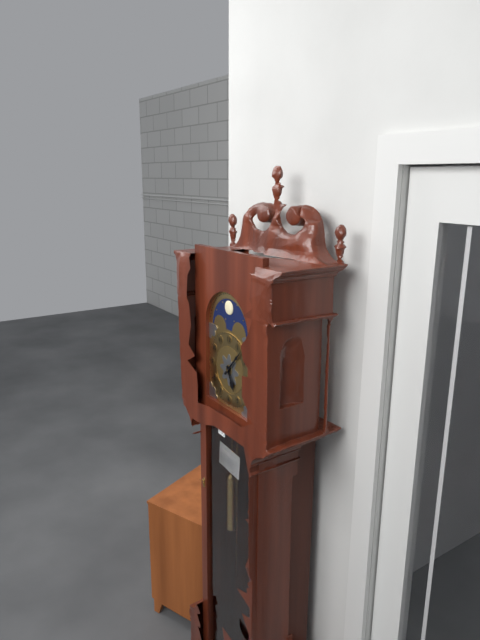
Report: 5 h 07 min
